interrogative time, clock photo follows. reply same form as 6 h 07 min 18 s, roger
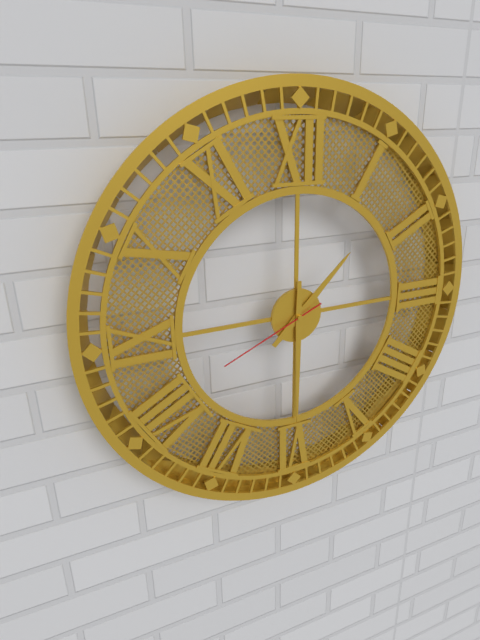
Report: 1 h 30 min 41 s
